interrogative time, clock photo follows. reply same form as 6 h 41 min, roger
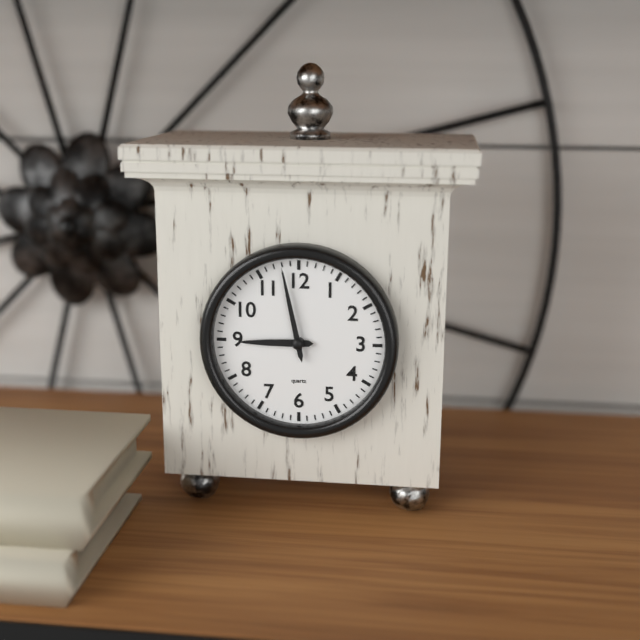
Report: 8 h 58 min
